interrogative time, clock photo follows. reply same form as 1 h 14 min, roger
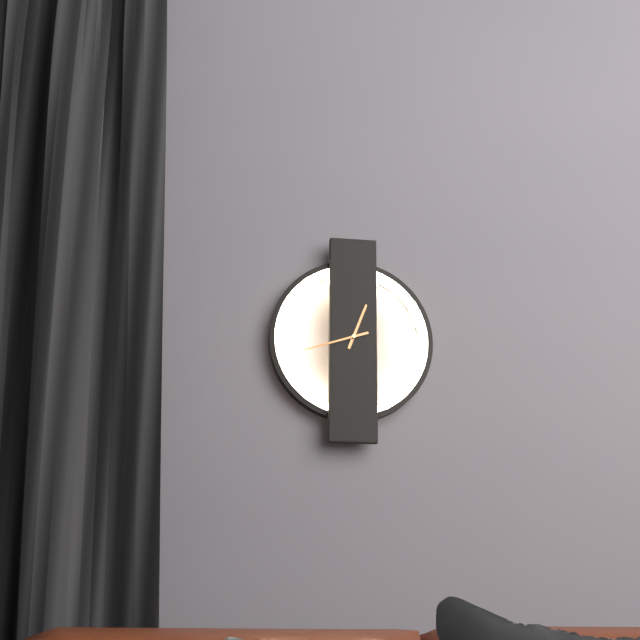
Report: 12 h 42 min
